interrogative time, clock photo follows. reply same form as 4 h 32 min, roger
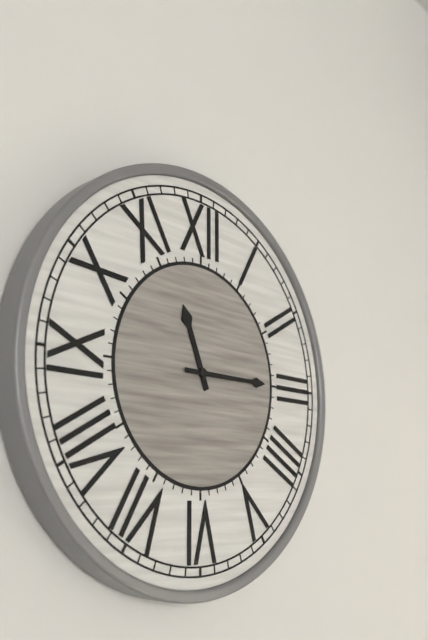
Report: 11 h 15 min
